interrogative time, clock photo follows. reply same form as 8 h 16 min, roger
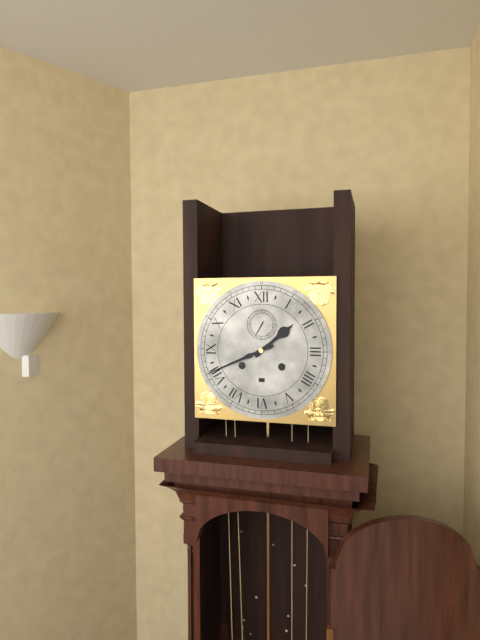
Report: 1 h 41 min
